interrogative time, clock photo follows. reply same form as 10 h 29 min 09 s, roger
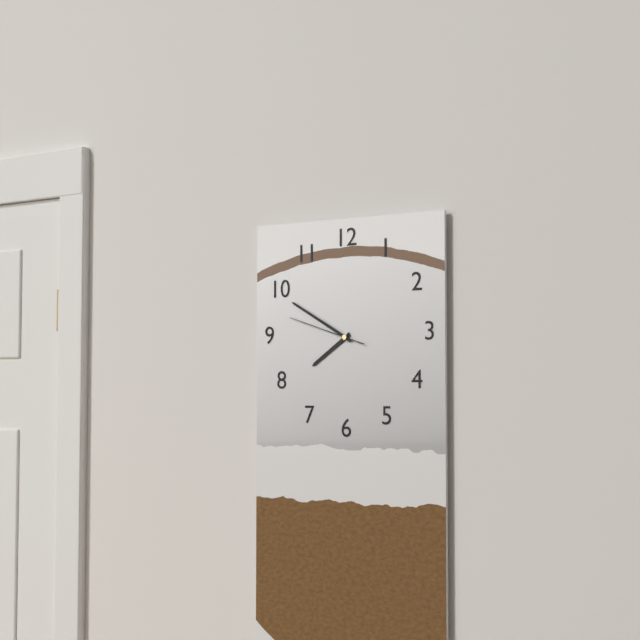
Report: 7 h 50 min 48 s
